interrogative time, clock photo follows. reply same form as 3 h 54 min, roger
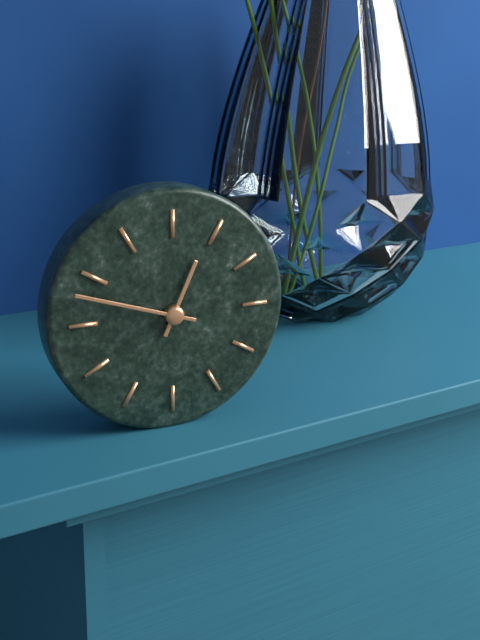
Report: 12 h 48 min
